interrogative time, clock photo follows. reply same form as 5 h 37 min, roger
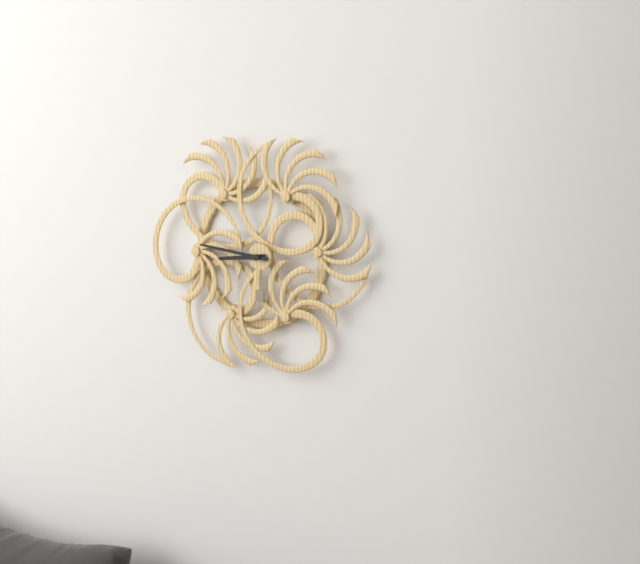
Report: 8 h 46 min
